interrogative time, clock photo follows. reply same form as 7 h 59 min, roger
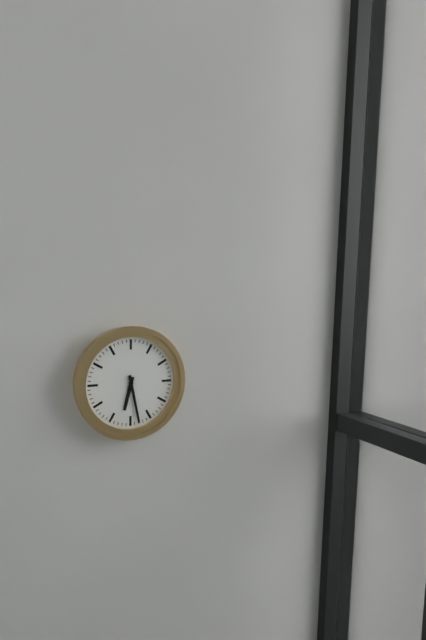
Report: 6 h 28 min
